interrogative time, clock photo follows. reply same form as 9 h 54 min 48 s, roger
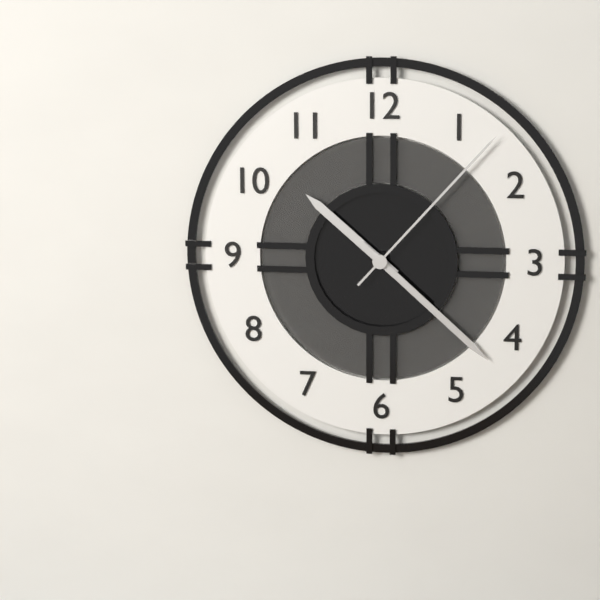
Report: 10 h 22 min 07 s
